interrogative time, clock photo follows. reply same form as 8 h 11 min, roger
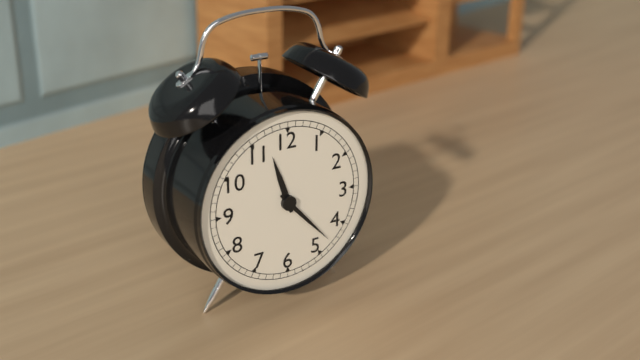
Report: 11 h 23 min
